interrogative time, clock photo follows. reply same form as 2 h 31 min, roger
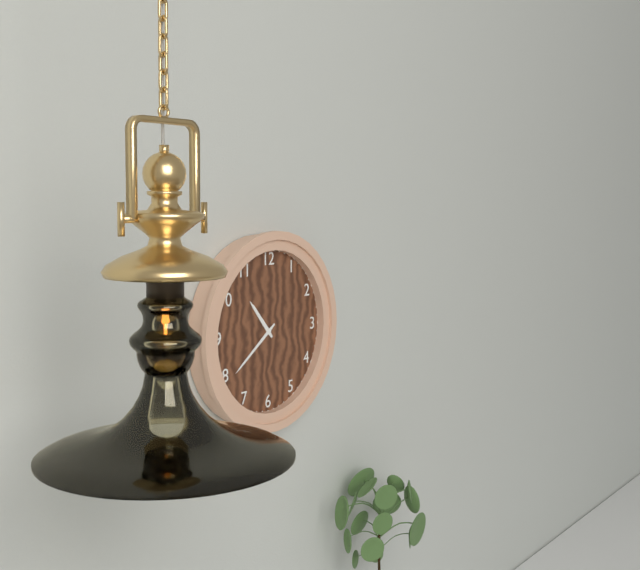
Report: 10 h 39 min
